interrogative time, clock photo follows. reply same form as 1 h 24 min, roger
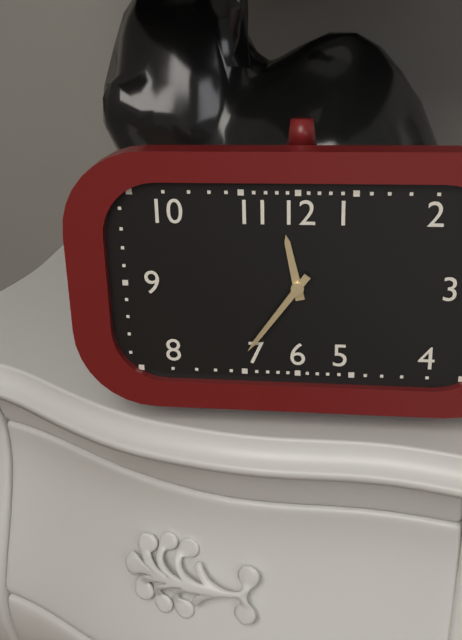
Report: 11 h 36 min
